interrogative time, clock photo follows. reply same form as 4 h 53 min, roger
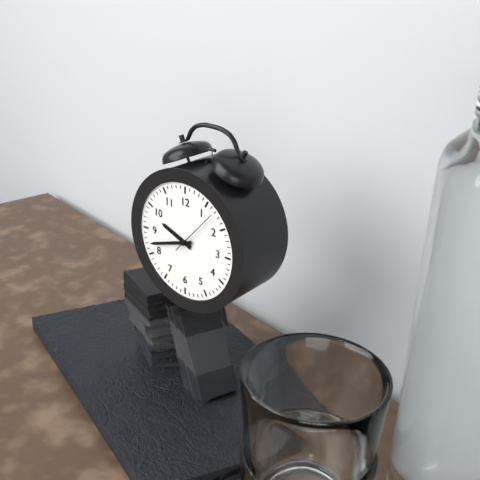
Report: 9 h 42 min
